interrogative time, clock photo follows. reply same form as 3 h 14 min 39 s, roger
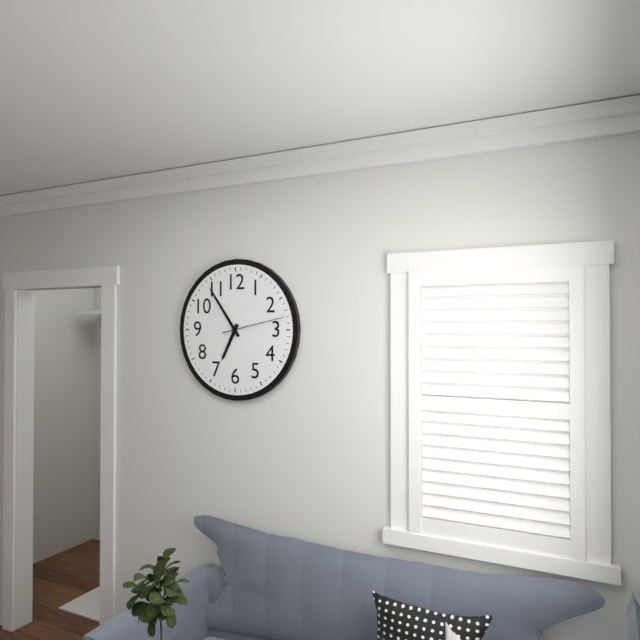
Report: 6 h 54 min 13 s
